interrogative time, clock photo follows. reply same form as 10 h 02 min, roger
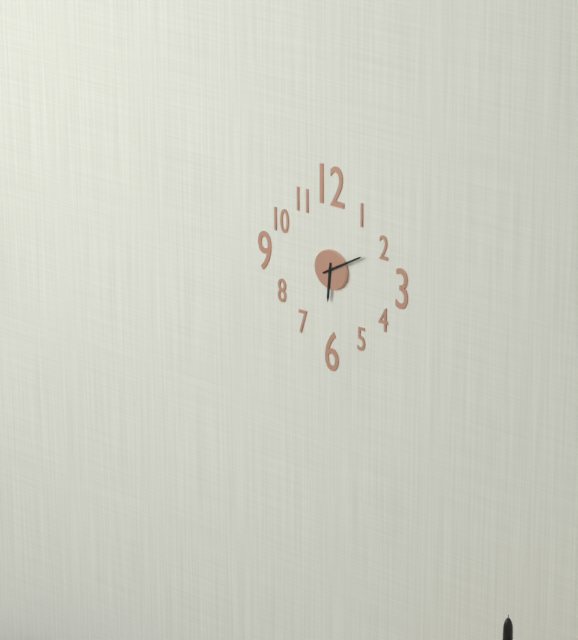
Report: 6 h 10 min
